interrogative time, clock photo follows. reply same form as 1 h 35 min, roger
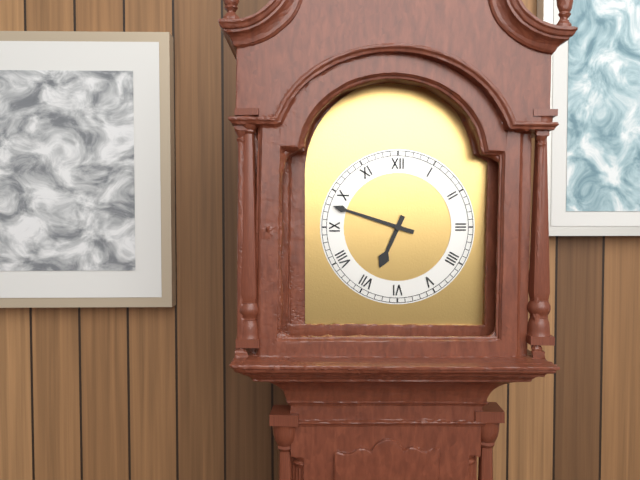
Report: 6 h 48 min
